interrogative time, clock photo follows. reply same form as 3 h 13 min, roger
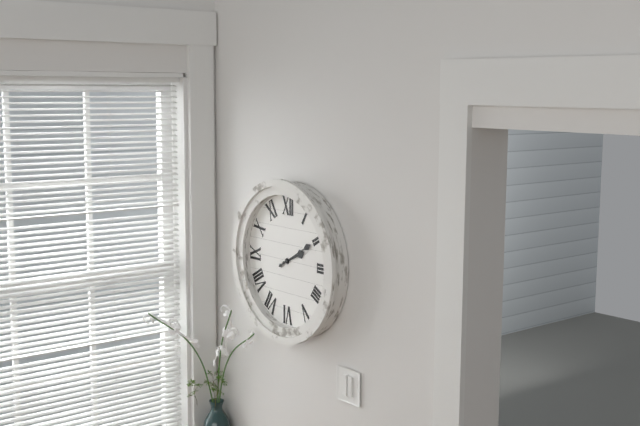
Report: 2 h 10 min
